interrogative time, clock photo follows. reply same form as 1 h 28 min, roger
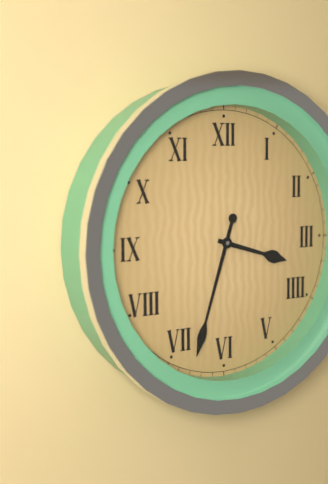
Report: 3 h 33 min
